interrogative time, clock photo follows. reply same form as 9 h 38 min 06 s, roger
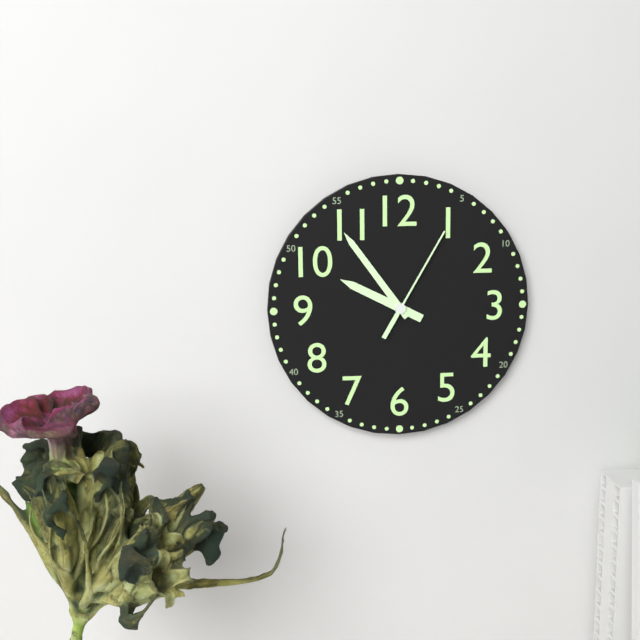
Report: 9 h 54 min 05 s
